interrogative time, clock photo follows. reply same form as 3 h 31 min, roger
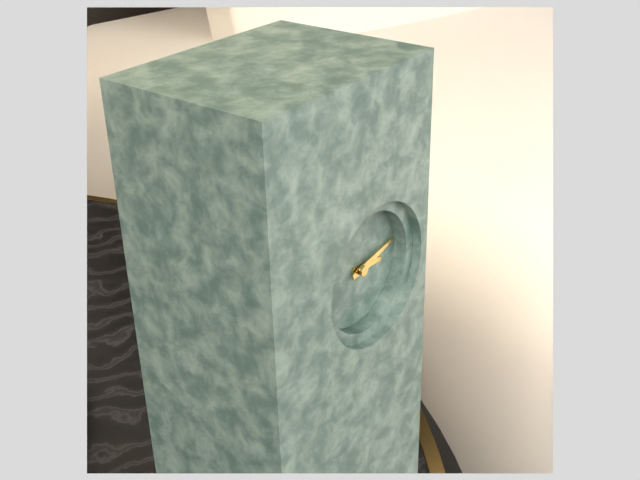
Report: 3 h 13 min
